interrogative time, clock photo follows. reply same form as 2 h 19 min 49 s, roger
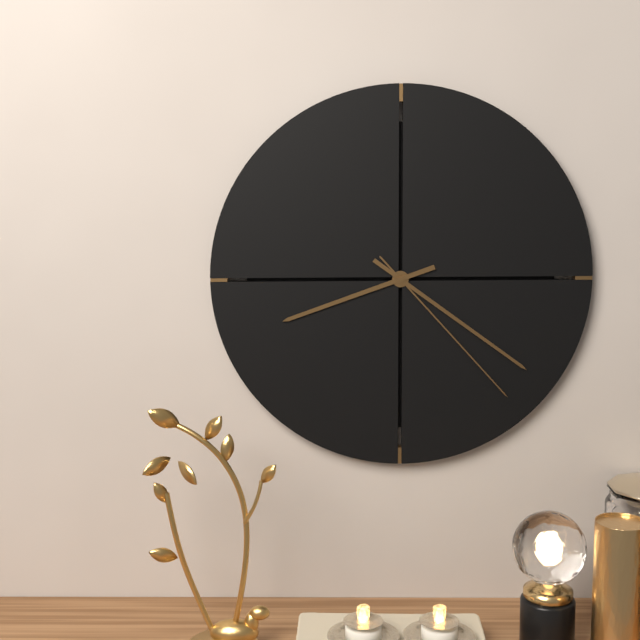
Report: 8 h 21 min 23 s
